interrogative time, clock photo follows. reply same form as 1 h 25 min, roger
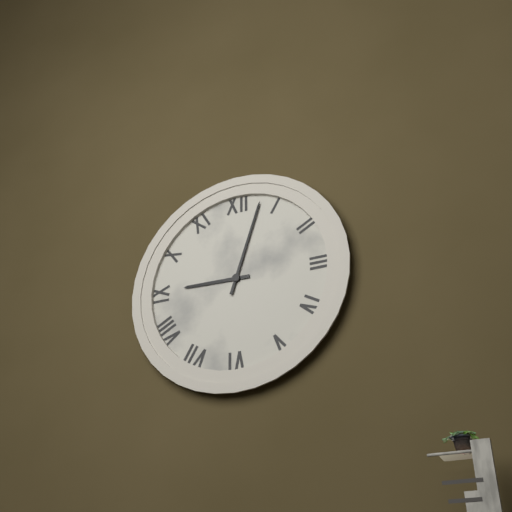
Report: 9 h 03 min
